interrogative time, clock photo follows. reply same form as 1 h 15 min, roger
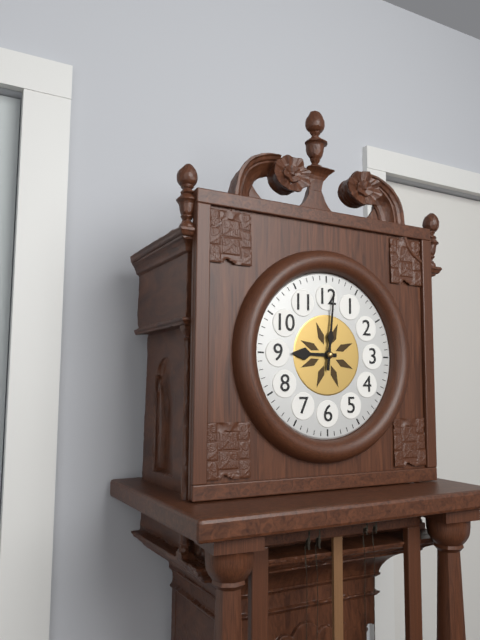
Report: 9 h 01 min
